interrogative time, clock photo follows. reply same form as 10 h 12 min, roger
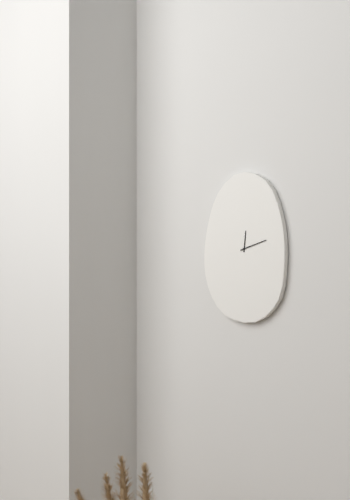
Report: 12 h 12 min
